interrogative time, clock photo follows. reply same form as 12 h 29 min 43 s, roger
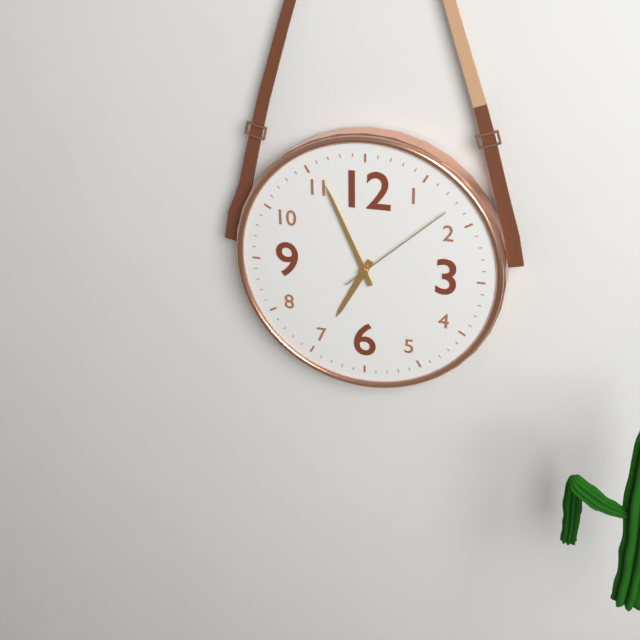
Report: 6 h 56 min 08 s
